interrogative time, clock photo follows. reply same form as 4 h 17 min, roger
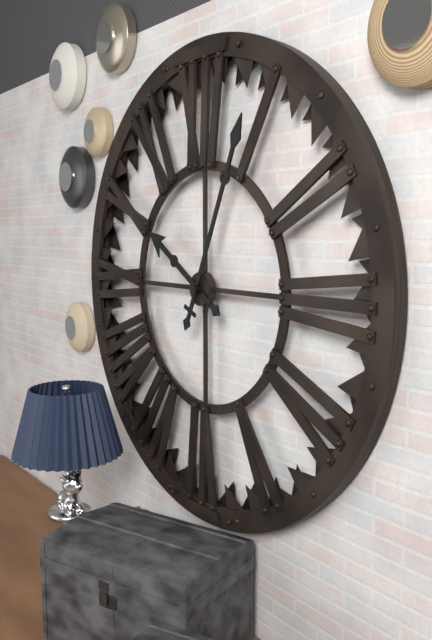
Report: 10 h 04 min
